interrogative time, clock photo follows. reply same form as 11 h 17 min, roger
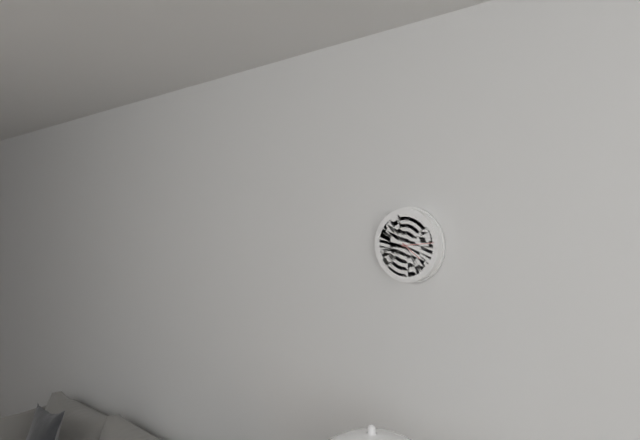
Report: 4 h 14 min
